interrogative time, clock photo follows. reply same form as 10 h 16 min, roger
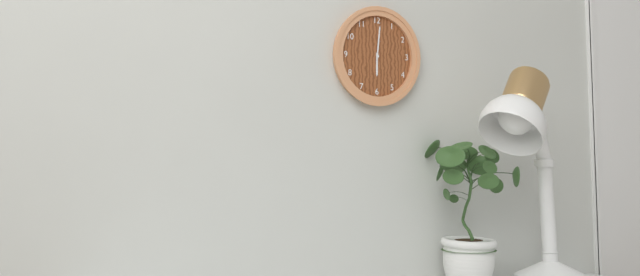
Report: 6 h 01 min
